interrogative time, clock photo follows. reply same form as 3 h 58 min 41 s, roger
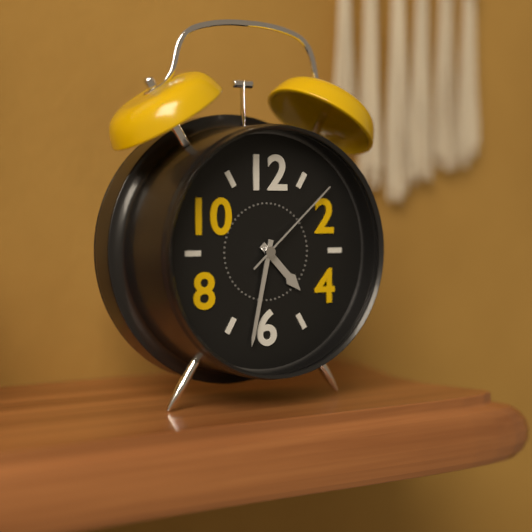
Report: 4 h 32 min 08 s
